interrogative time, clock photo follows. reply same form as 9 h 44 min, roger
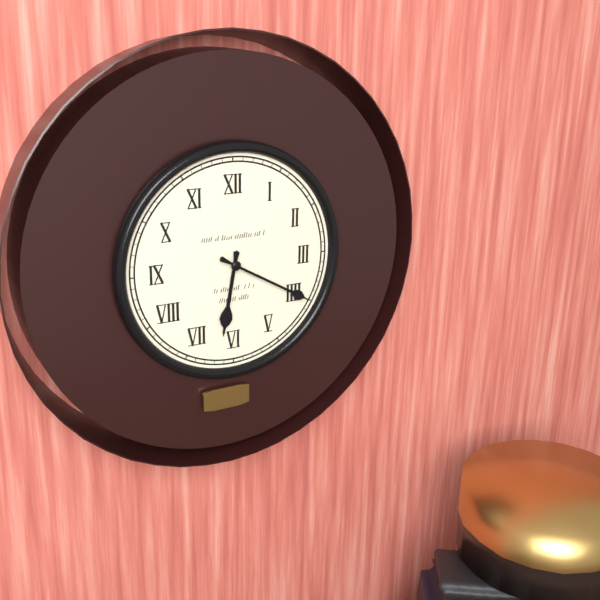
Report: 6 h 20 min
